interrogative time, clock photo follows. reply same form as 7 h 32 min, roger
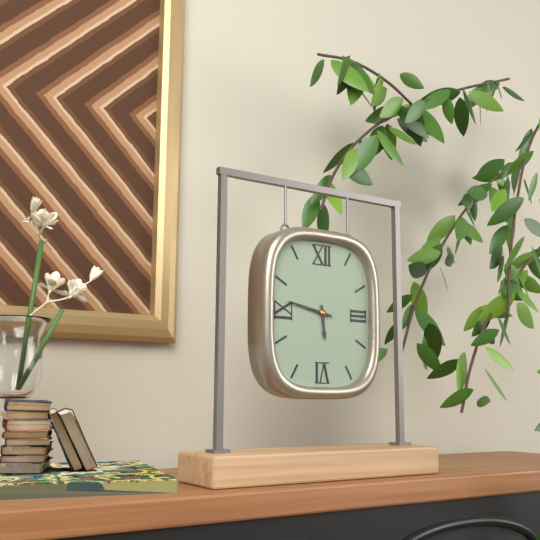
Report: 5 h 47 min
